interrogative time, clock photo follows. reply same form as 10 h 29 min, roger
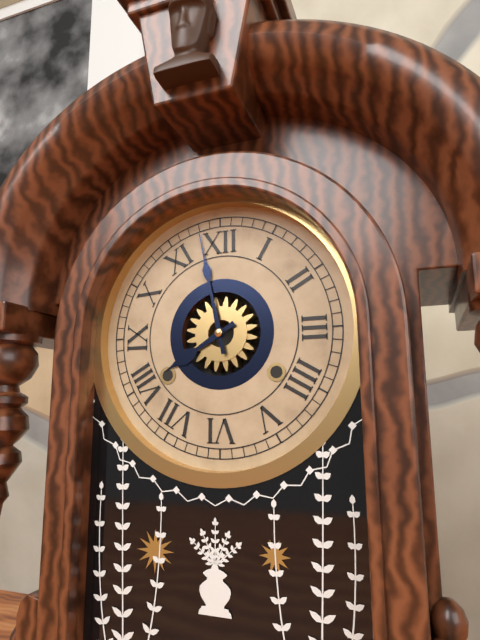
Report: 7 h 58 min
